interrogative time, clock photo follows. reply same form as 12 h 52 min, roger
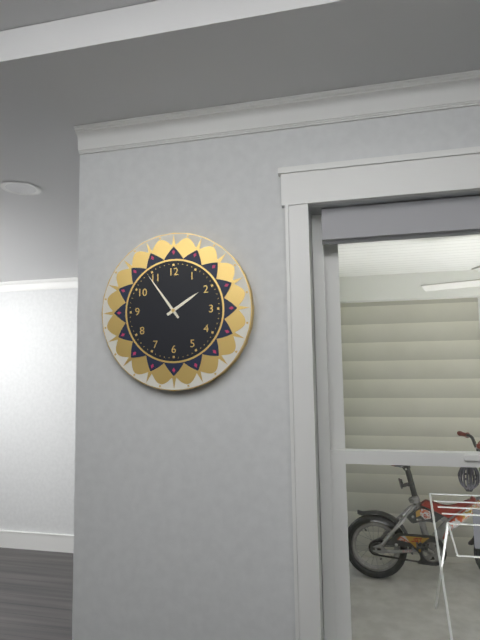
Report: 1 h 54 min
